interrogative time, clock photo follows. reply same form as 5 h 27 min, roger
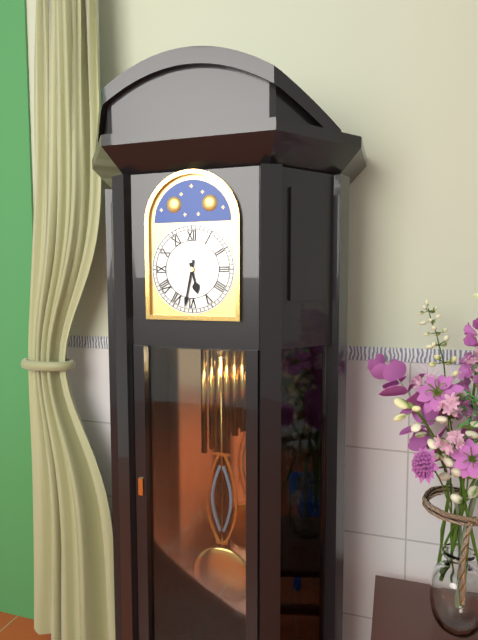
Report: 5 h 32 min
